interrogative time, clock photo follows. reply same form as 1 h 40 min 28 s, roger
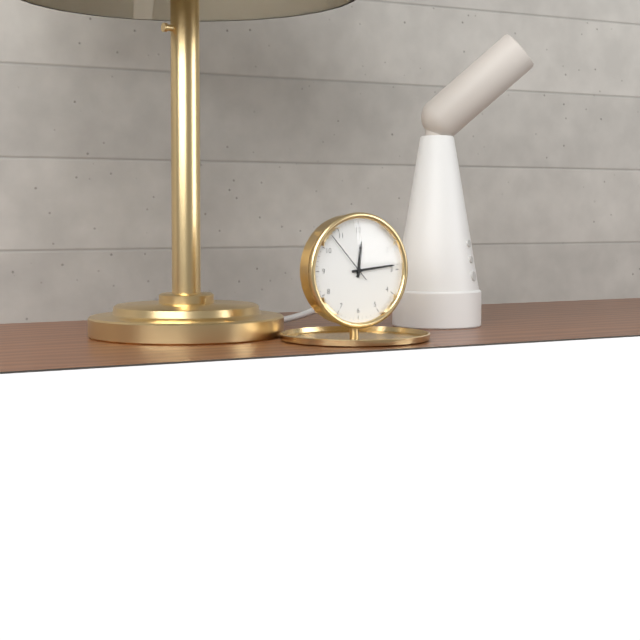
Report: 12 h 14 min 53 s
